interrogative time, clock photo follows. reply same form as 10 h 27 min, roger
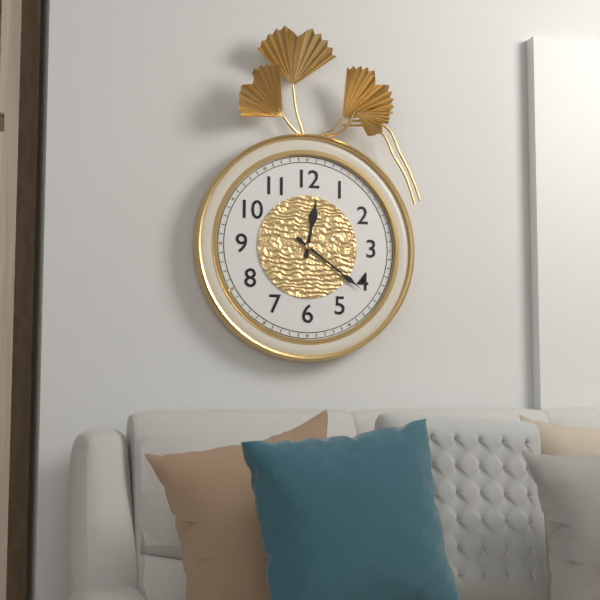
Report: 12 h 21 min
